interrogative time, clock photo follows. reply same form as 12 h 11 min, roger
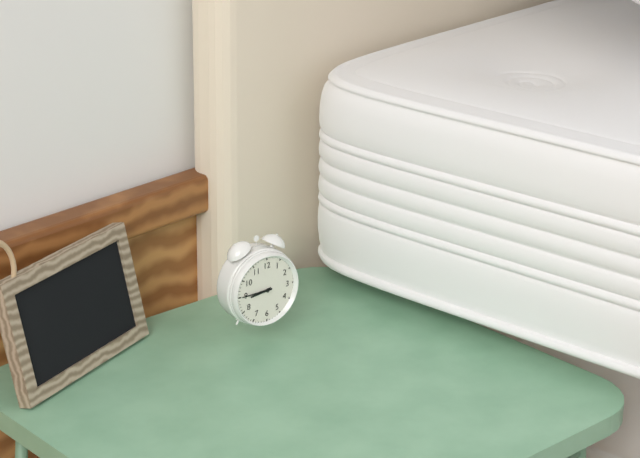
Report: 8 h 45 min
